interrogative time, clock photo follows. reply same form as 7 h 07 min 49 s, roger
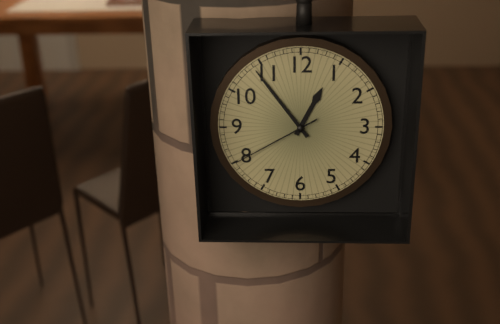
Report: 12 h 54 min 40 s
